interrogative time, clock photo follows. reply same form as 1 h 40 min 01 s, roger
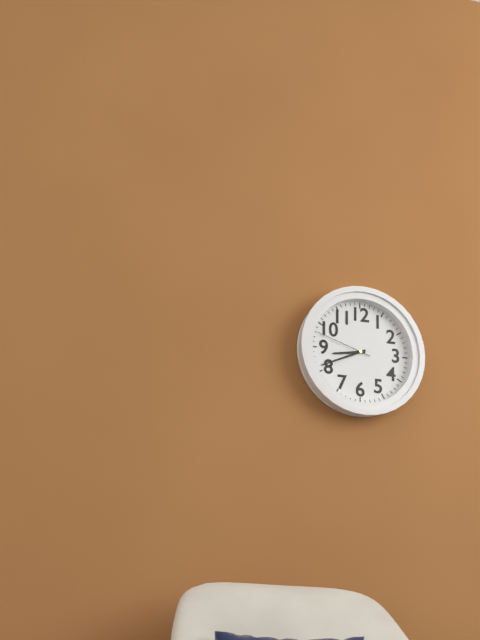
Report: 8 h 41 min 48 s
